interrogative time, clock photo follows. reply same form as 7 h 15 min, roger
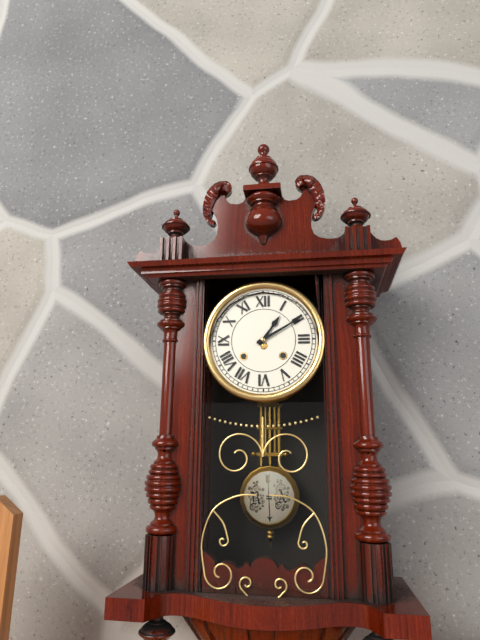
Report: 1 h 10 min
